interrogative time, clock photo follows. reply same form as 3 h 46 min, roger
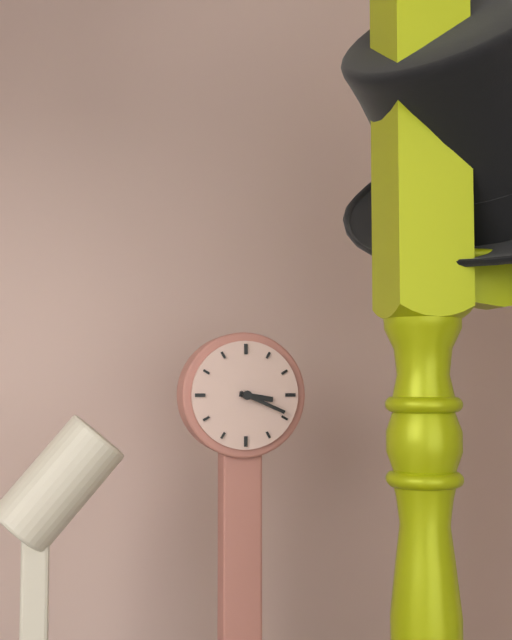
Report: 3 h 19 min
